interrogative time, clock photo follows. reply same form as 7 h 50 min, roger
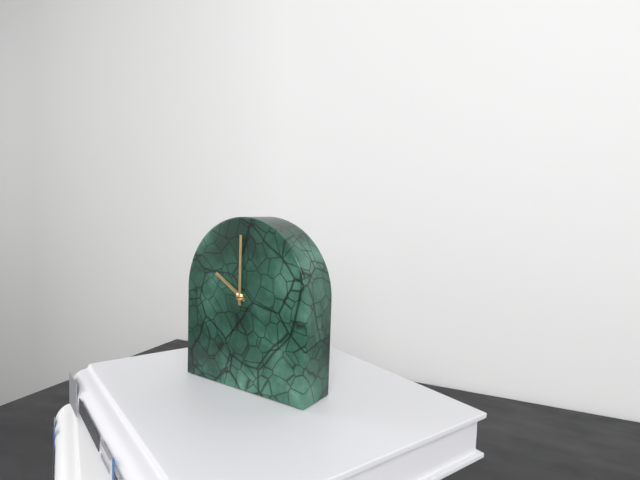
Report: 10 h 00 min
